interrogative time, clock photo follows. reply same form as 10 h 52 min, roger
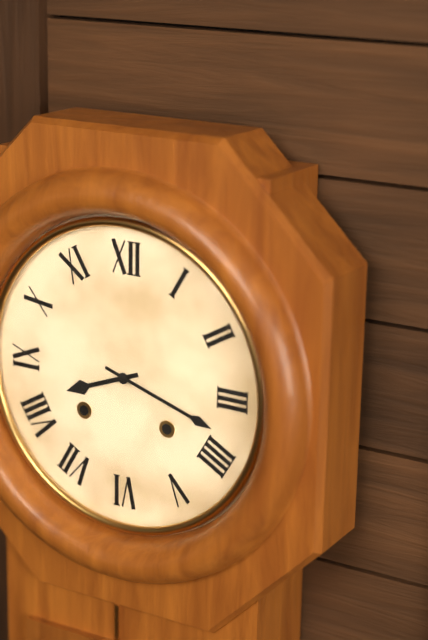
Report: 8 h 18 min
